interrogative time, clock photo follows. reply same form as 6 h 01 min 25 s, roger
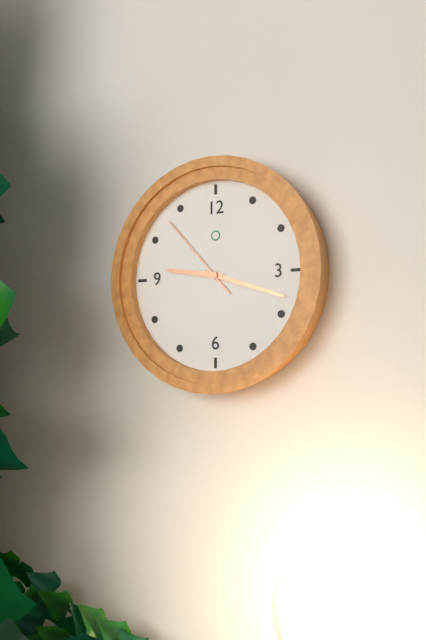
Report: 9 h 18 min 53 s
